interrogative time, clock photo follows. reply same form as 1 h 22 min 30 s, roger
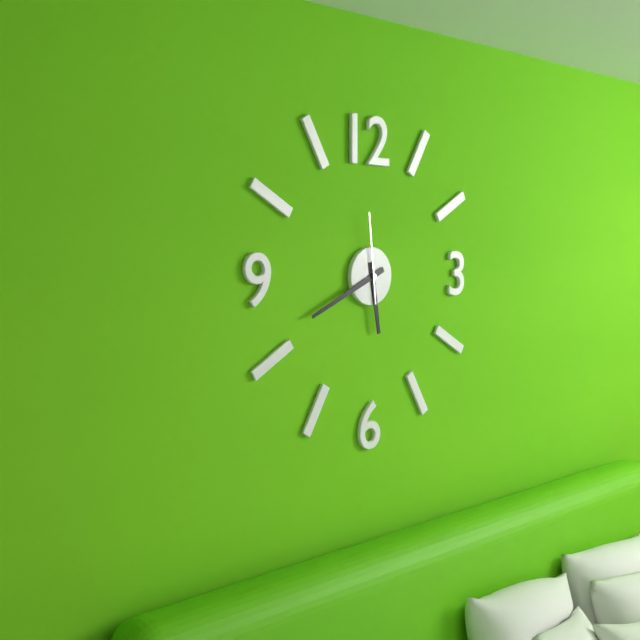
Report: 5 h 41 min 59 s
